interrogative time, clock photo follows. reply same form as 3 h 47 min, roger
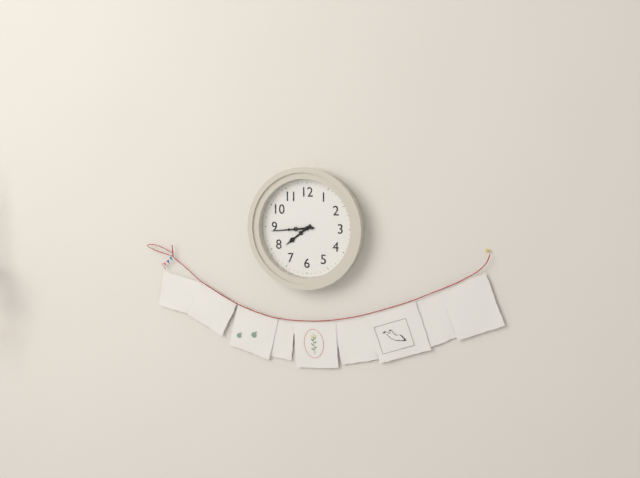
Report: 7 h 44 min
